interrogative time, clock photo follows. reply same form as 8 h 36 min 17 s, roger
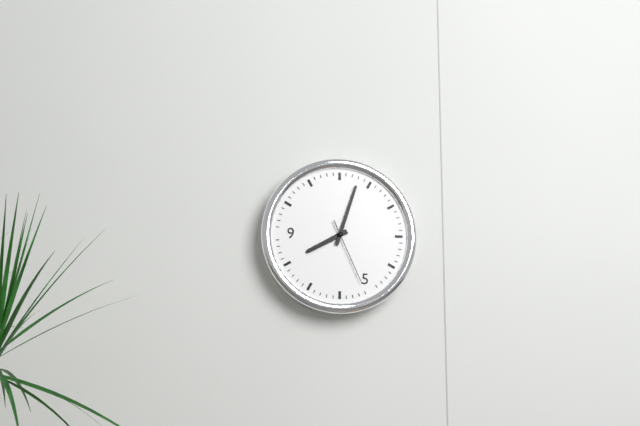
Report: 8 h 03 min 26 s
